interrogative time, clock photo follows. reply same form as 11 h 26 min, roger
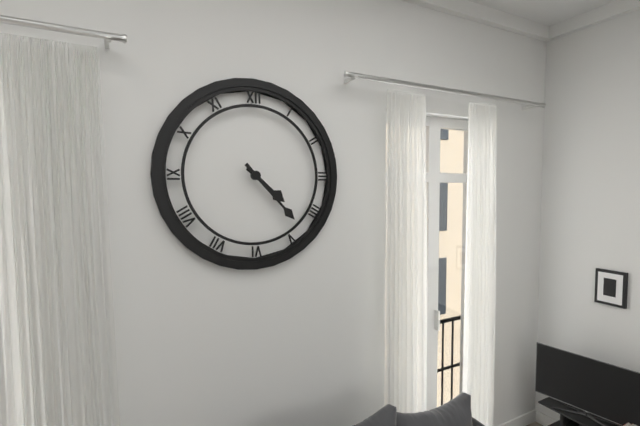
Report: 4 h 23 min
